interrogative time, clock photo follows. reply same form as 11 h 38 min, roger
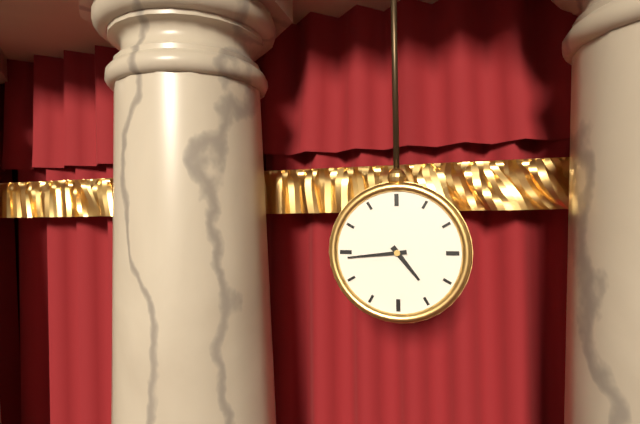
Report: 4 h 44 min
